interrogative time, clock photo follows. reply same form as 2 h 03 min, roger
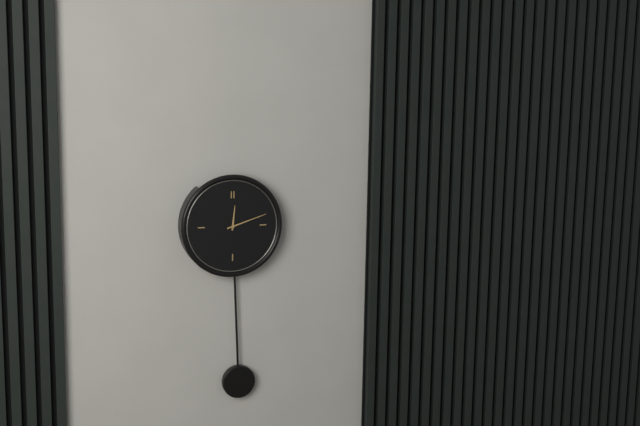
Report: 12 h 12 min
